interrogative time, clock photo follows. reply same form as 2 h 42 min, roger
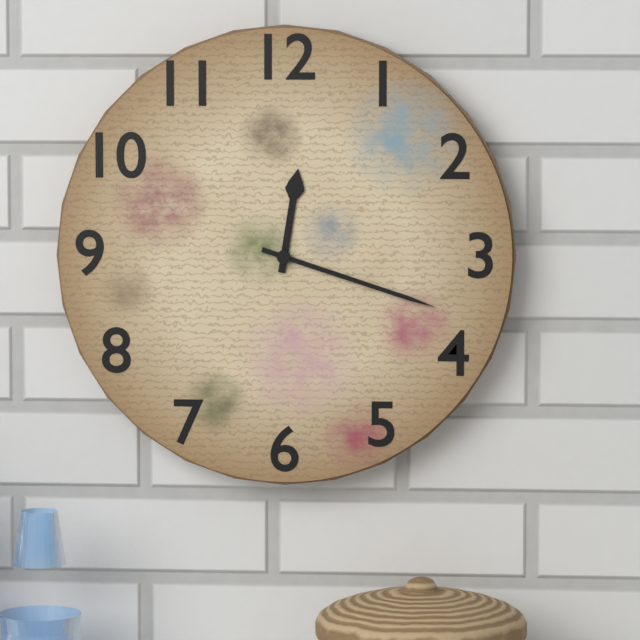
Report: 12 h 18 min
